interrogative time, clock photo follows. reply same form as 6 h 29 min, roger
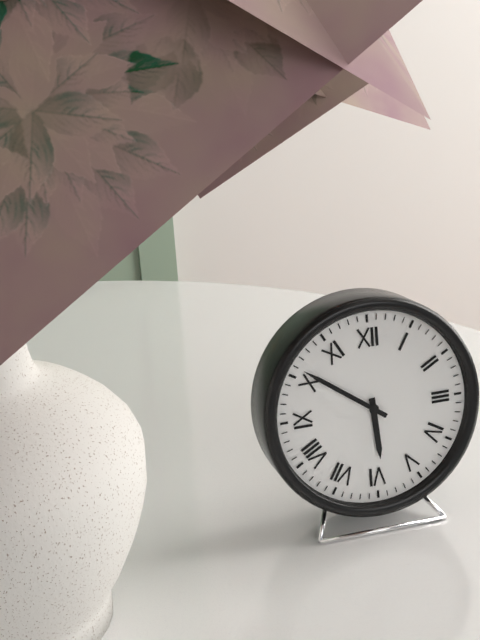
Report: 5 h 51 min
